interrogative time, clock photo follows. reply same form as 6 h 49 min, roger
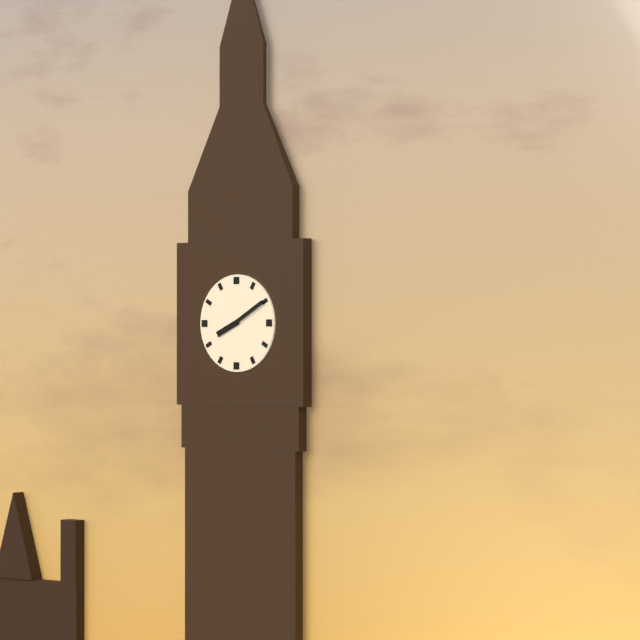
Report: 8 h 10 min
